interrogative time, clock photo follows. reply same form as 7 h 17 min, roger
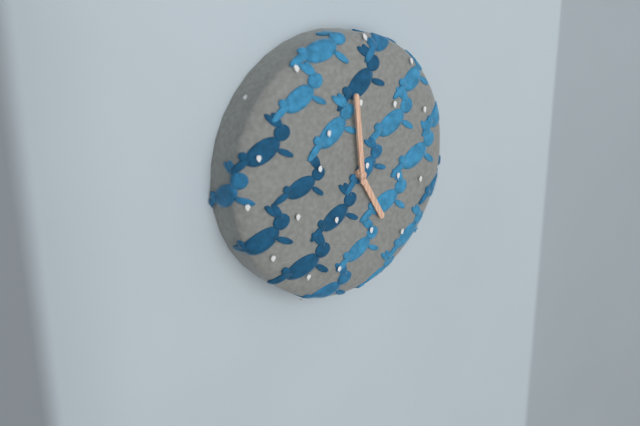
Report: 4 h 59 min
